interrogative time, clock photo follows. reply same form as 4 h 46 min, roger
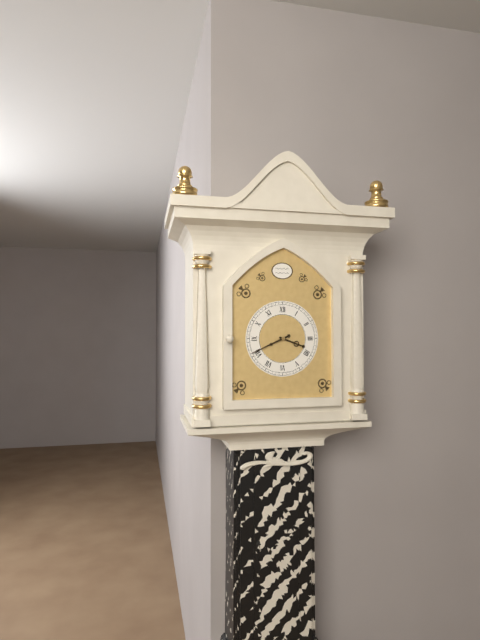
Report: 3 h 41 min
